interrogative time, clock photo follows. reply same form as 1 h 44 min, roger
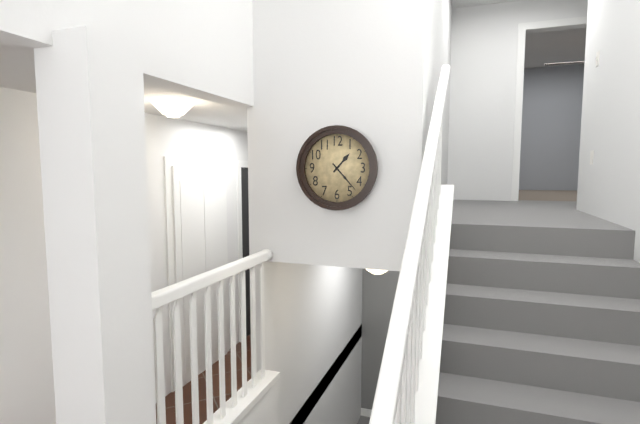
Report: 1 h 23 min
